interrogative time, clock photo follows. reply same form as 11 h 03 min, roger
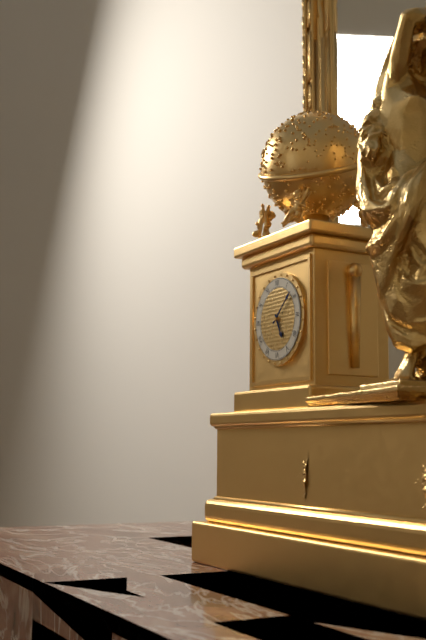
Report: 5 h 08 min
